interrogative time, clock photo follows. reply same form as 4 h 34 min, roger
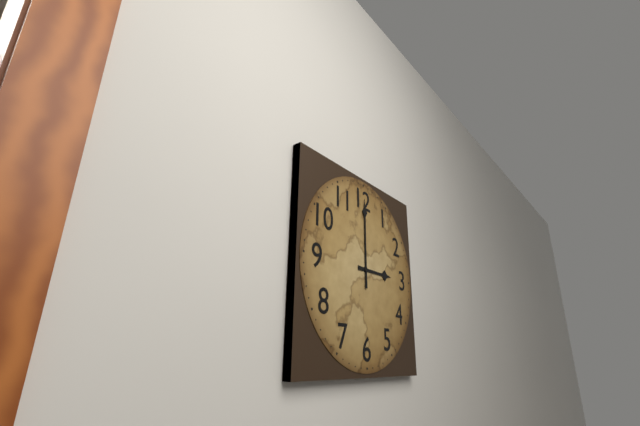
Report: 3 h 00 min
